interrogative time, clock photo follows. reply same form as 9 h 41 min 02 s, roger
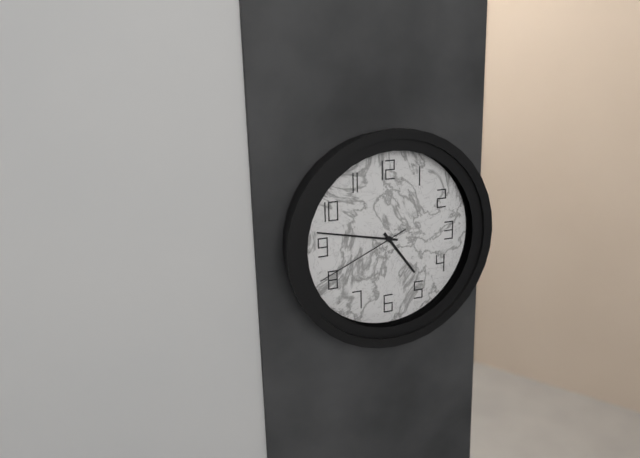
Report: 4 h 47 min 41 s
